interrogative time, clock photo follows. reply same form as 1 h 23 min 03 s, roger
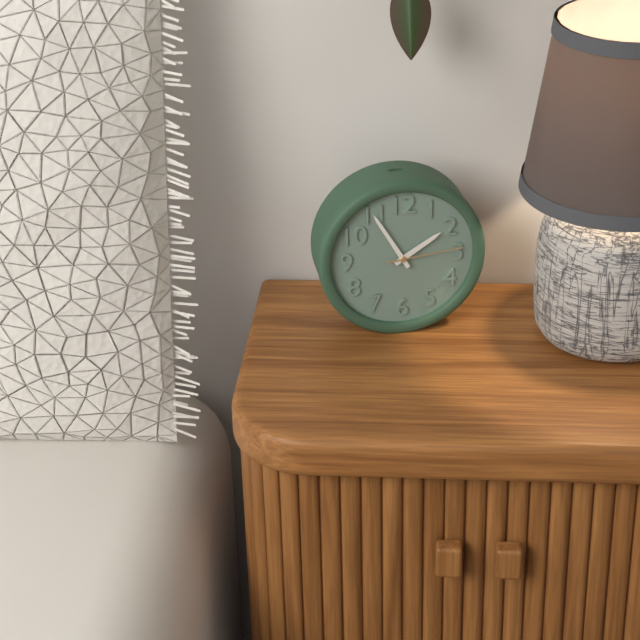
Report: 1 h 55 min 14 s
